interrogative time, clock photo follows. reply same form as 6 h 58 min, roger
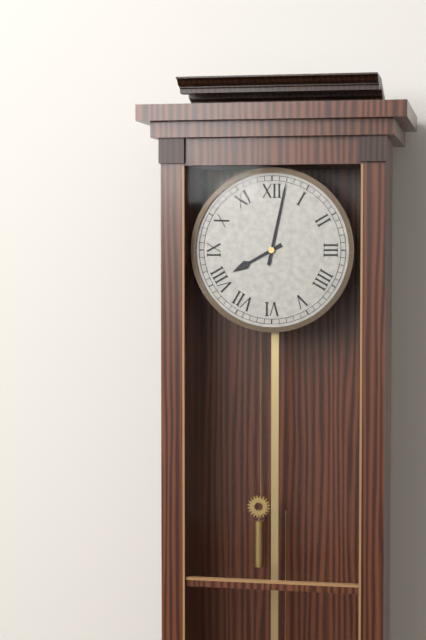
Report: 8 h 02 min
